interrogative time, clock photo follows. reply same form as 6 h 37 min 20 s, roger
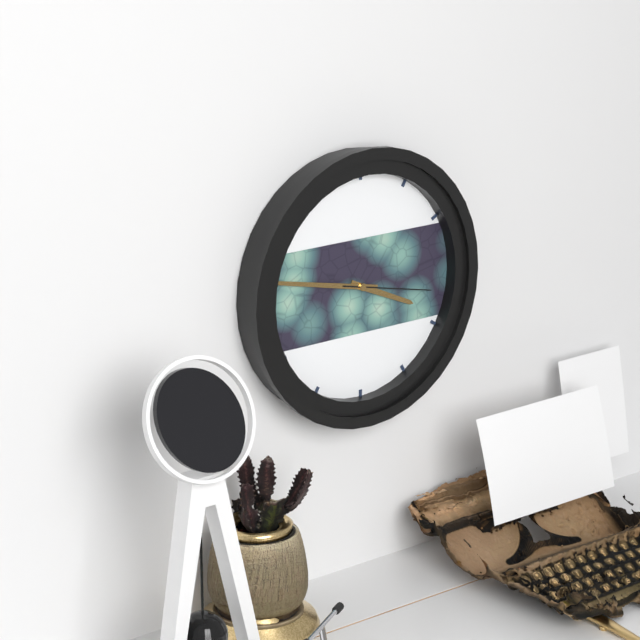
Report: 3 h 47 min 17 s
